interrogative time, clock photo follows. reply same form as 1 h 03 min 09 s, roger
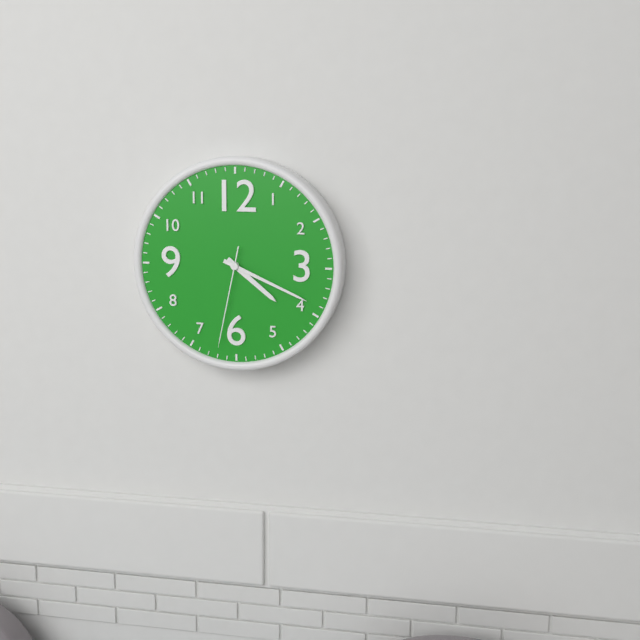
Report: 4 h 19 min 32 s
